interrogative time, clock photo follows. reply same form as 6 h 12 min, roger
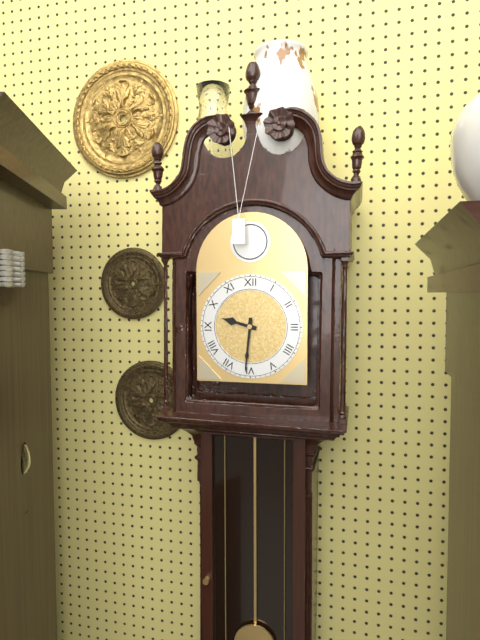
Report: 9 h 31 min
